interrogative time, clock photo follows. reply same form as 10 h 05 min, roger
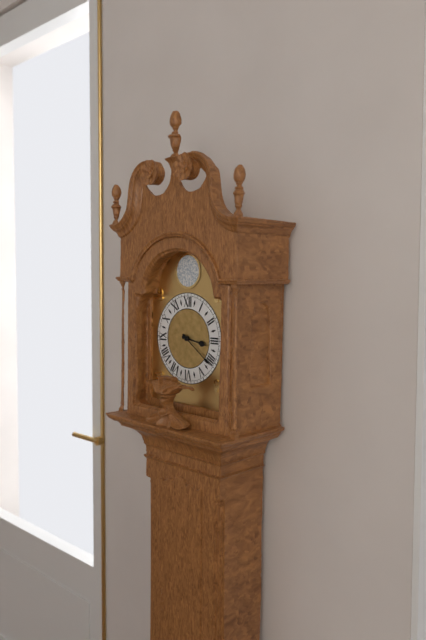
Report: 3 h 21 min
